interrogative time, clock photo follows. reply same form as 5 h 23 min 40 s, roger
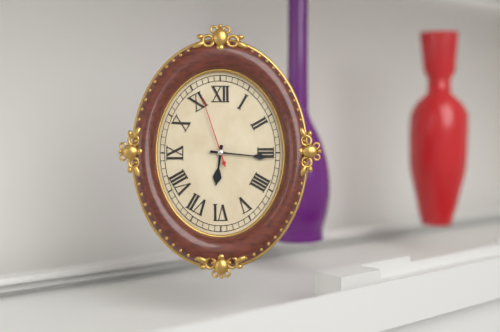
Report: 6 h 16 min 57 s
